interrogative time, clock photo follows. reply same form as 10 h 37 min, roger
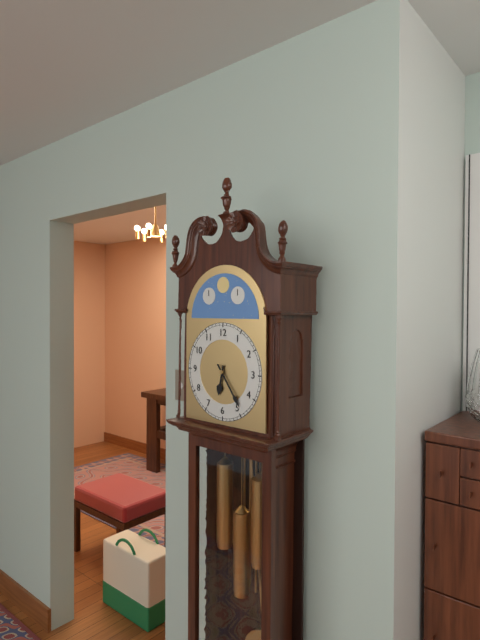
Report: 6 h 24 min
